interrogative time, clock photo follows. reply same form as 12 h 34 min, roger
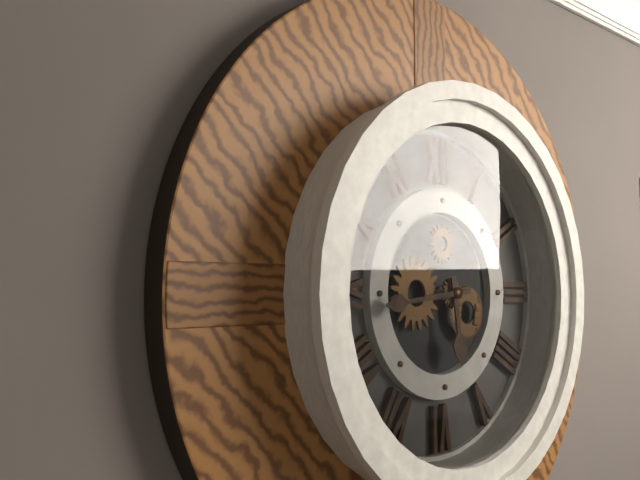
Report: 5 h 44 min
